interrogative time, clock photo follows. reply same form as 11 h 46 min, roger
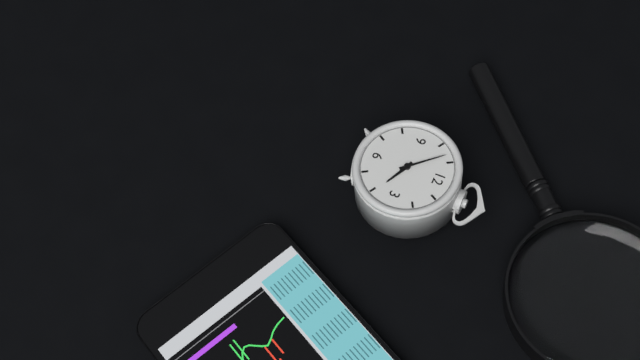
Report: 3 h 53 min
